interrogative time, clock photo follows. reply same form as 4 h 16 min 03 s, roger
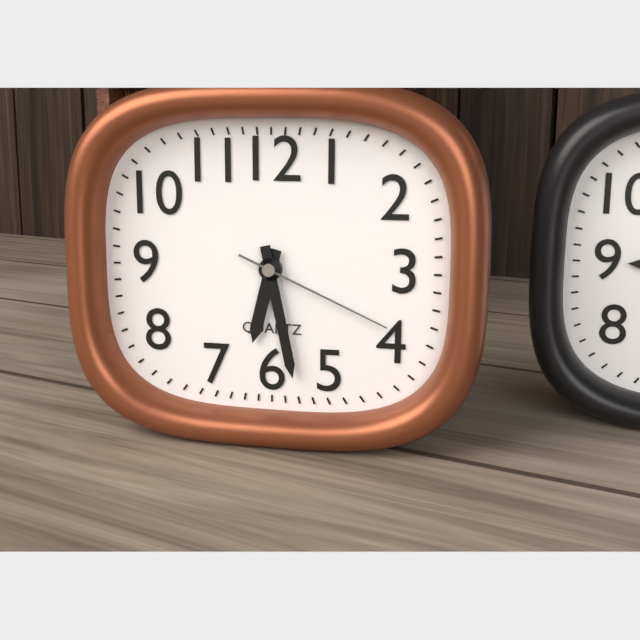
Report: 6 h 28 min 19 s
